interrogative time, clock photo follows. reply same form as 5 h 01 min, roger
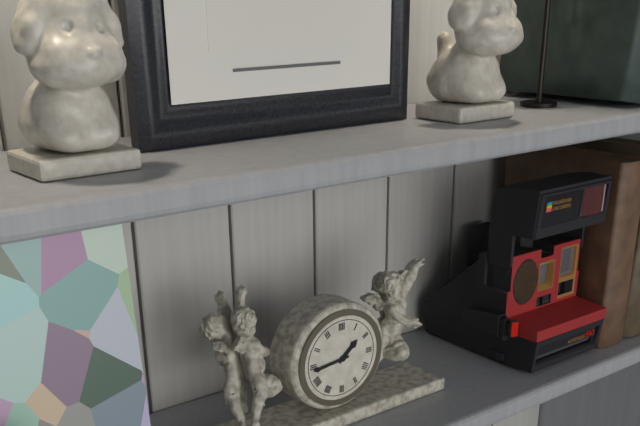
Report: 1 h 44 min
